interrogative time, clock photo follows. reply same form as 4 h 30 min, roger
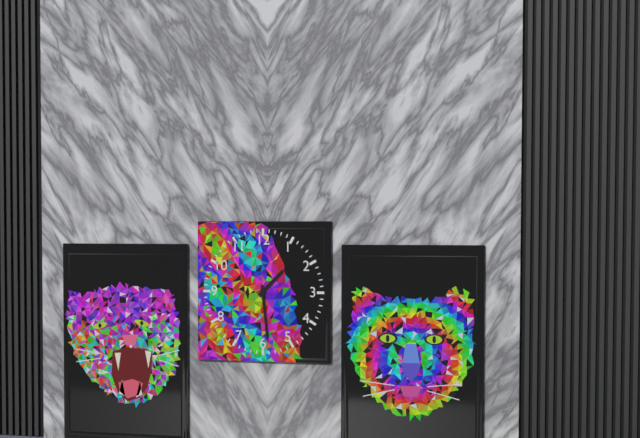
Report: 1 h 29 min
